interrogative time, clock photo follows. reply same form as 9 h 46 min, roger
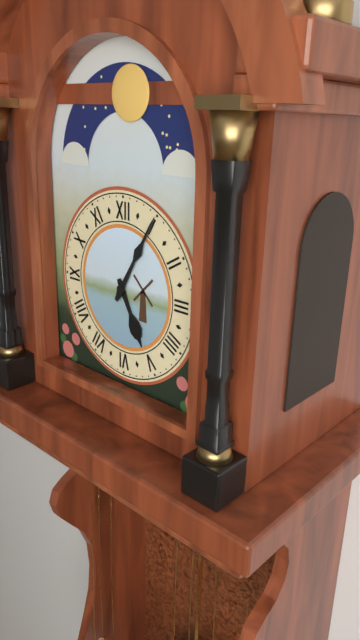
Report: 5 h 05 min
